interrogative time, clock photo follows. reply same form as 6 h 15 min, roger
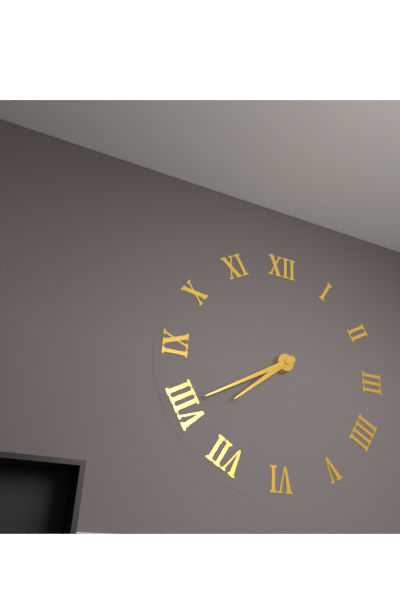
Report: 7 h 40 min
